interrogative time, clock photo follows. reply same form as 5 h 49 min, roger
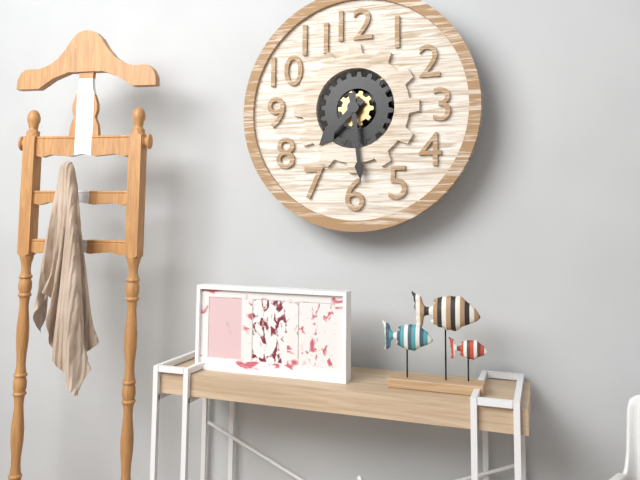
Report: 7 h 29 min
